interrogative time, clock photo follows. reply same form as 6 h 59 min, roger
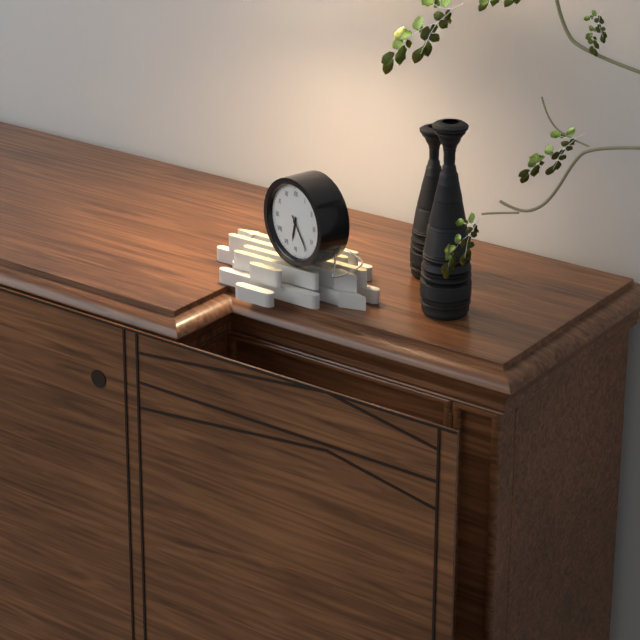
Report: 6 h 24 min
